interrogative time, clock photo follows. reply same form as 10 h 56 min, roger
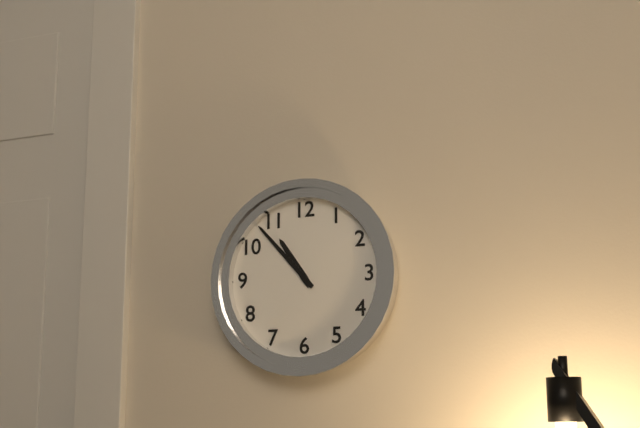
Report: 10 h 53 min
